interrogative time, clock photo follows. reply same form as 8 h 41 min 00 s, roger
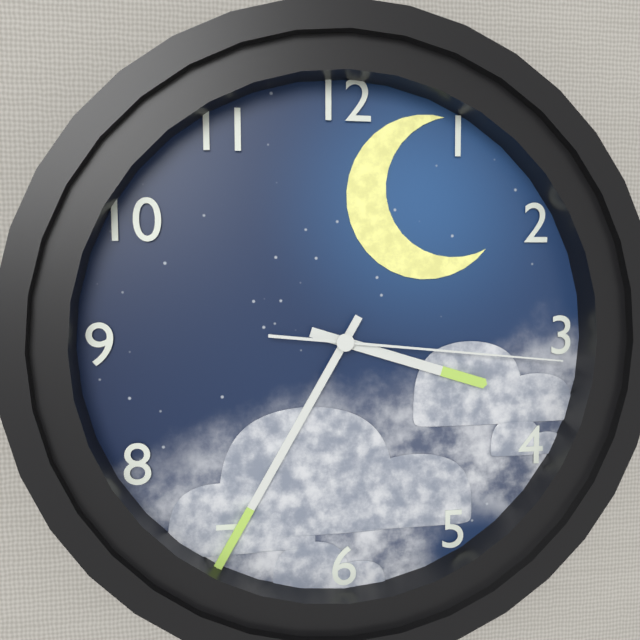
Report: 3 h 35 min 16 s
